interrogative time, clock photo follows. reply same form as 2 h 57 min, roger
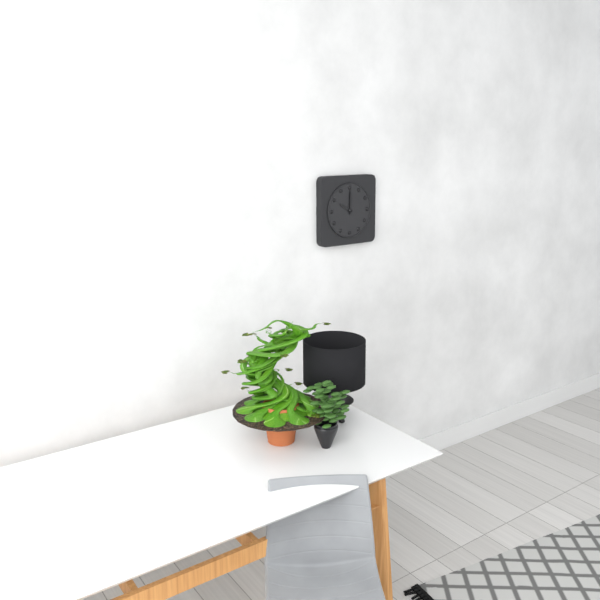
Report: 10 h 00 min
